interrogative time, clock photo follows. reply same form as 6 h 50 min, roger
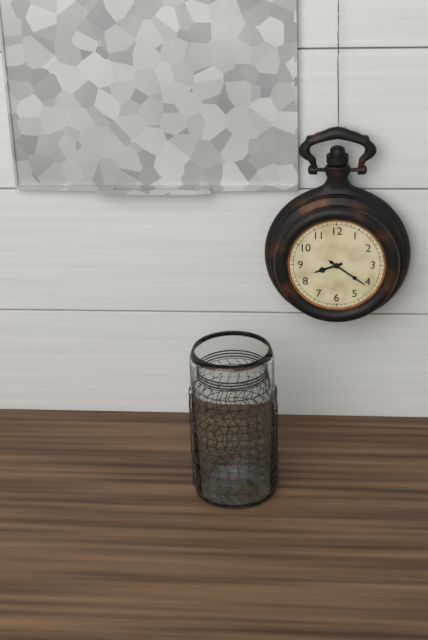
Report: 8 h 21 min
